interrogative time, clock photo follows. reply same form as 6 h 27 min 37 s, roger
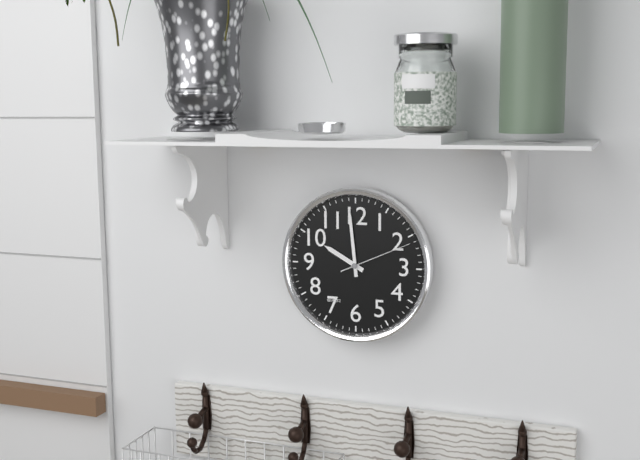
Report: 9 h 59 min 11 s
